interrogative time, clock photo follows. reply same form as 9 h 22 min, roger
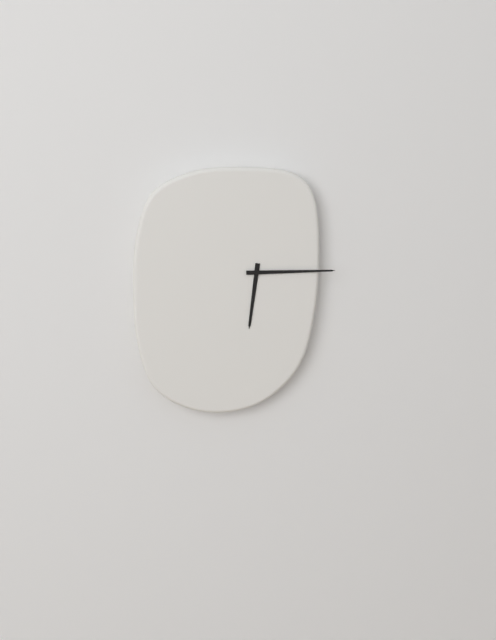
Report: 6 h 15 min
